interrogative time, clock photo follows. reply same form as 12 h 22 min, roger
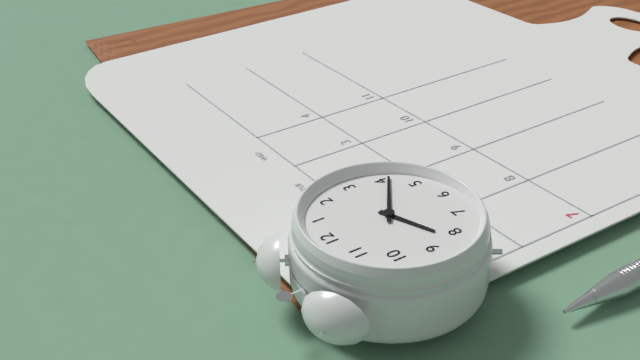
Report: 8 h 21 min
